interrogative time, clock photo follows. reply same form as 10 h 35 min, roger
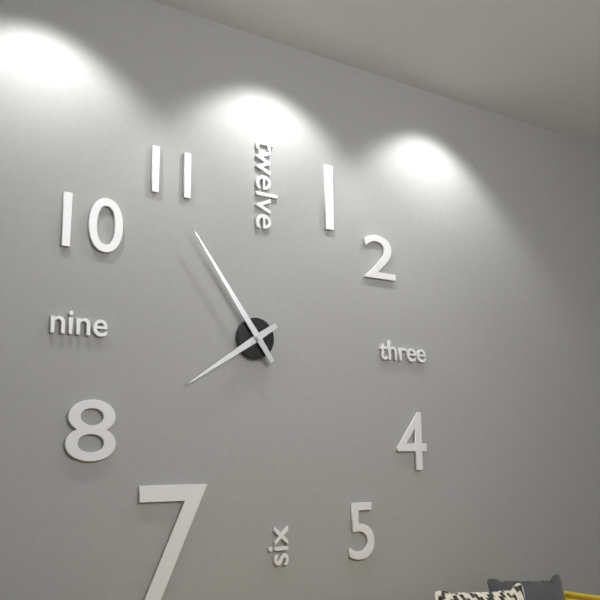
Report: 7 h 54 min
